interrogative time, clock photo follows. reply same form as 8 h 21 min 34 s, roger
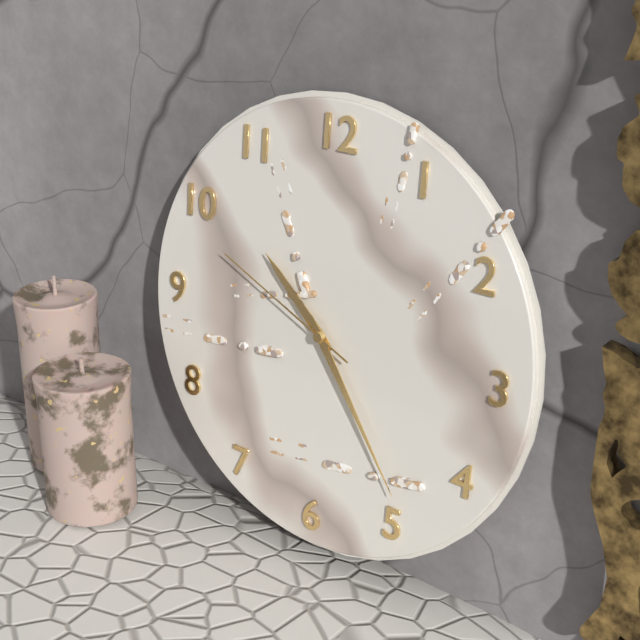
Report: 10 h 24 min 49 s
